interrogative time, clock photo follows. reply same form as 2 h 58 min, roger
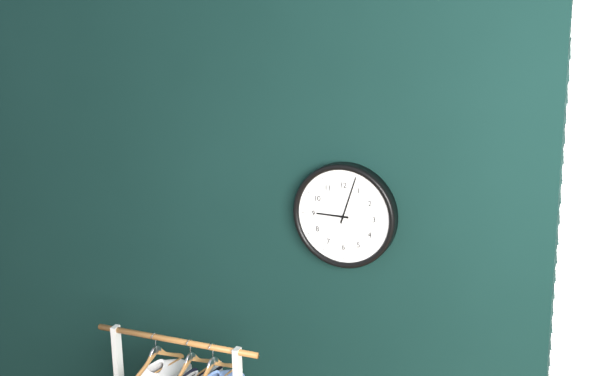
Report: 9 h 03 min
